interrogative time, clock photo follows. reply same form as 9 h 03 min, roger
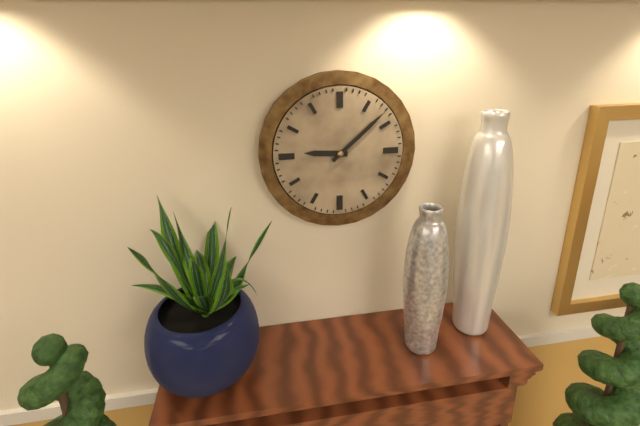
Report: 9 h 08 min
